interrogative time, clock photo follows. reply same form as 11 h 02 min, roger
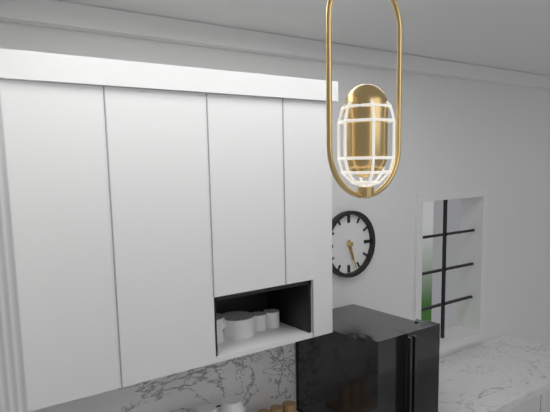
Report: 5 h 27 min
